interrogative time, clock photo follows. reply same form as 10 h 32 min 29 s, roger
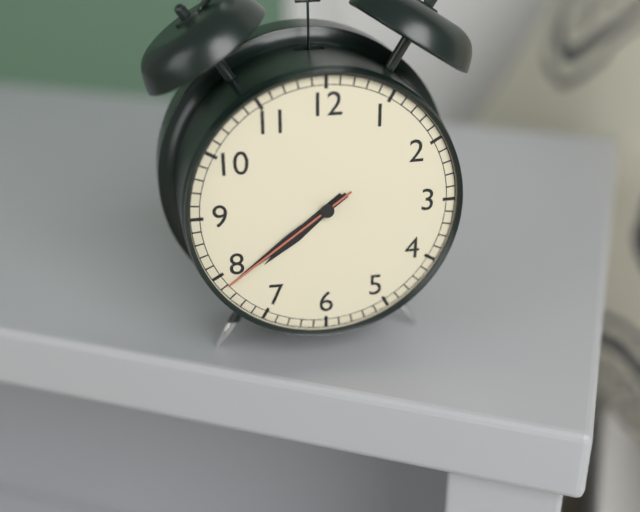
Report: 7 h 39 min 39 s
